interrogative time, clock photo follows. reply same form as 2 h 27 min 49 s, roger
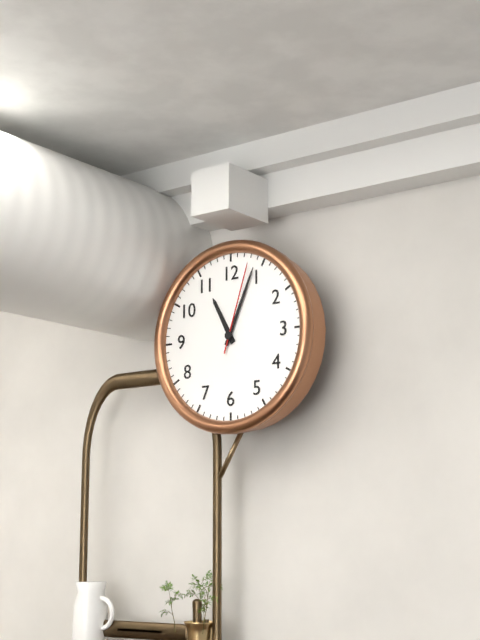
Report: 11 h 04 min 03 s
